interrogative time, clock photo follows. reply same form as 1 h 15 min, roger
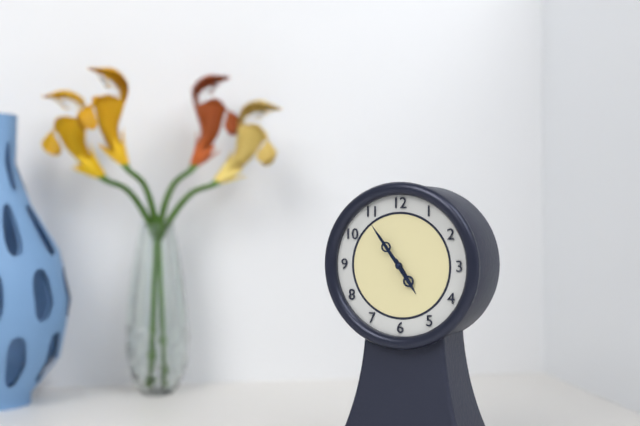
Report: 4 h 54 min
